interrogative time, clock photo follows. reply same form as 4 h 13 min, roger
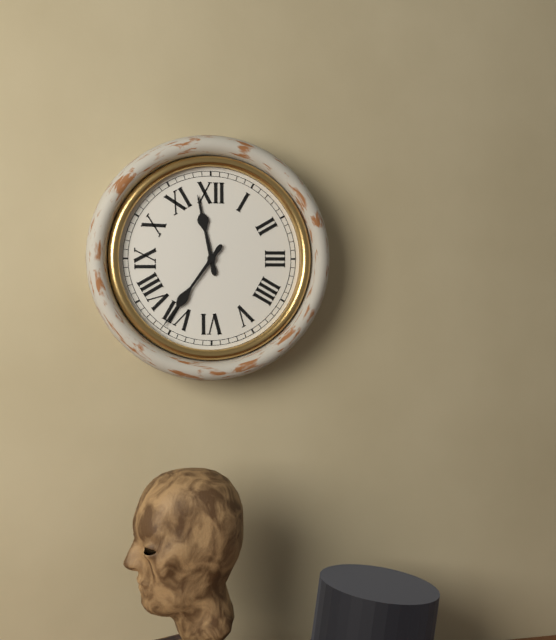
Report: 11 h 36 min
